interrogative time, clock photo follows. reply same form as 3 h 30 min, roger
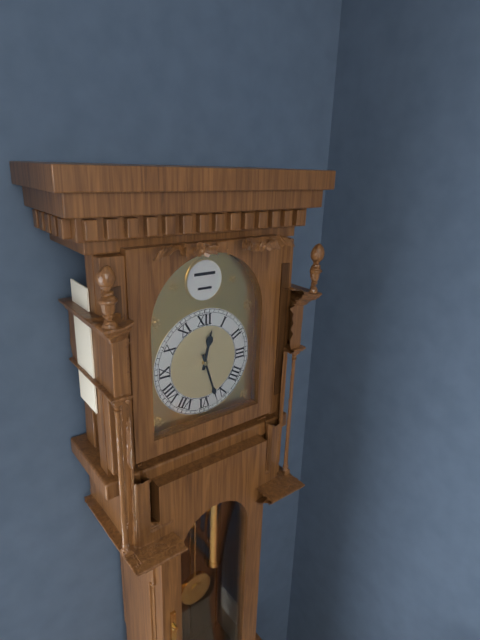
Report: 12 h 27 min
